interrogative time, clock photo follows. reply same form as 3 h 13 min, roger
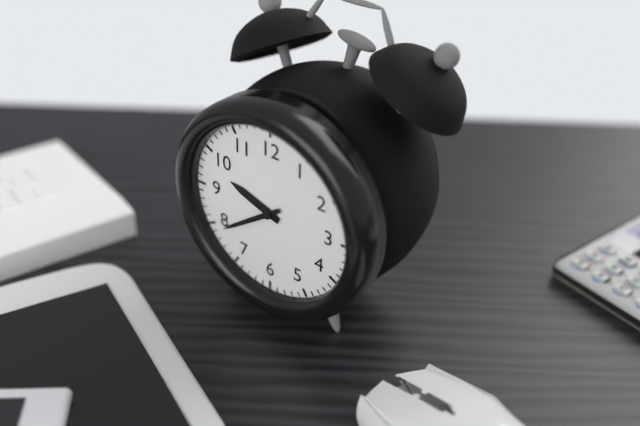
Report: 9 h 39 min
